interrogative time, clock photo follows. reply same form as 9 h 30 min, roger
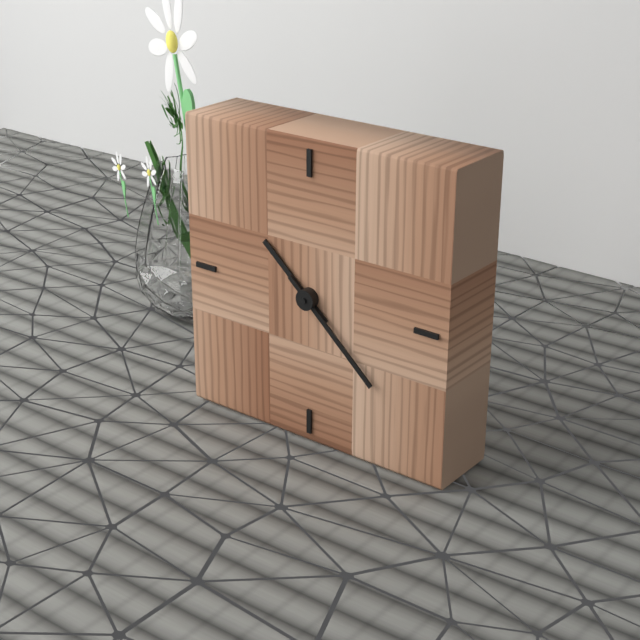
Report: 10 h 22 min
